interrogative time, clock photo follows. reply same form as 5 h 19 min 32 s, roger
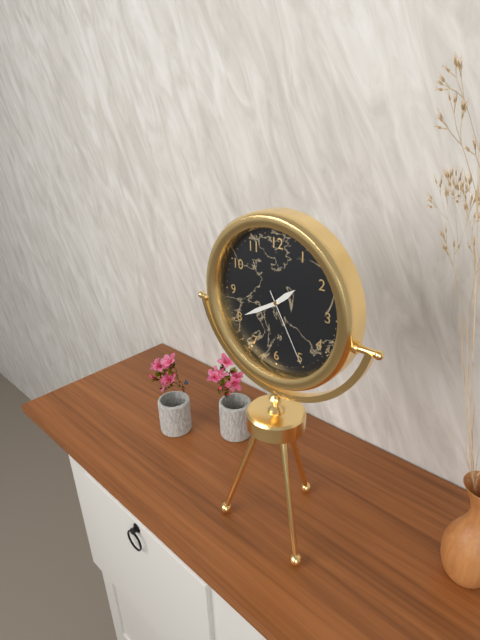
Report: 1 h 40 min 25 s
